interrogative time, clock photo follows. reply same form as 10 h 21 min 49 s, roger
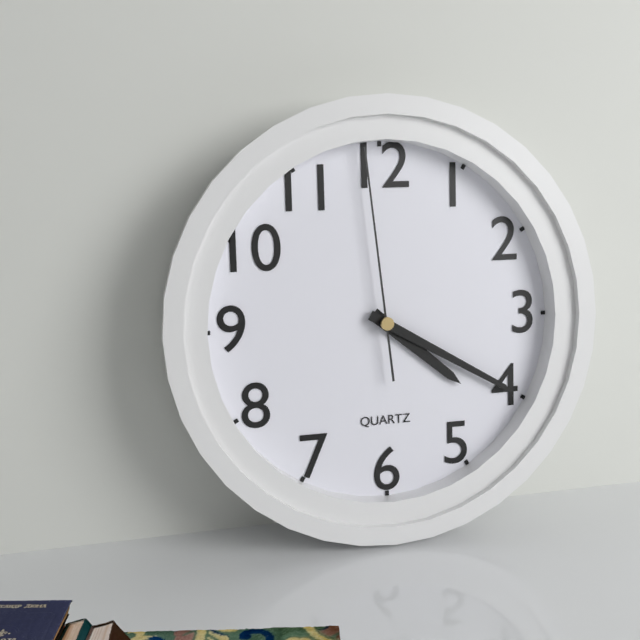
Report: 4 h 20 min 59 s
